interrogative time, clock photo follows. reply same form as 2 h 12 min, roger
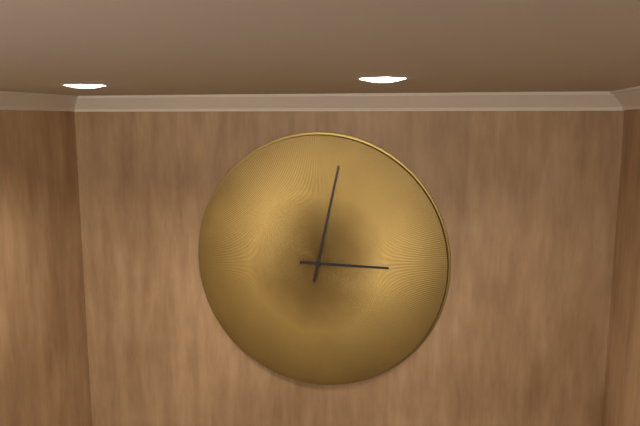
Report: 3 h 02 min
